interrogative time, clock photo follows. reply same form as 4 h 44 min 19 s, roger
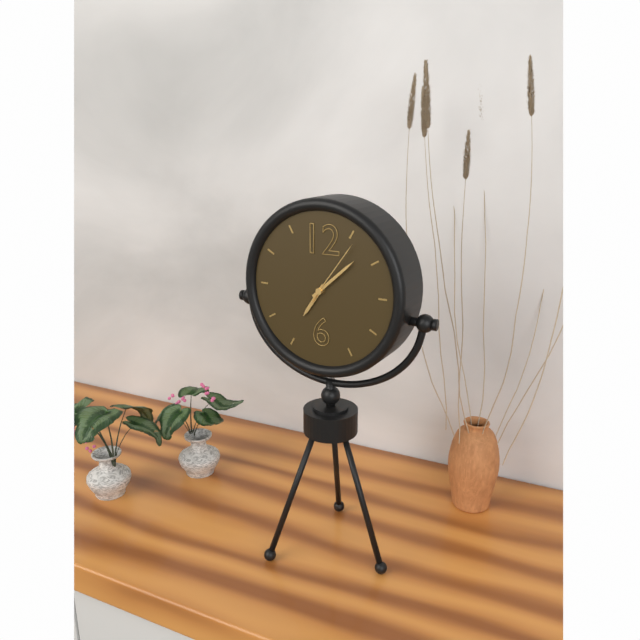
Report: 7 h 08 min 06 s
